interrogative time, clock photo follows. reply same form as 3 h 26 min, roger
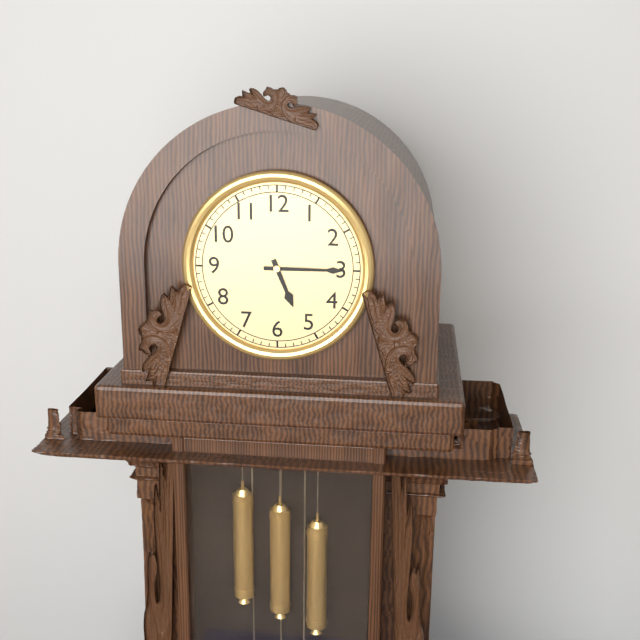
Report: 5 h 15 min
